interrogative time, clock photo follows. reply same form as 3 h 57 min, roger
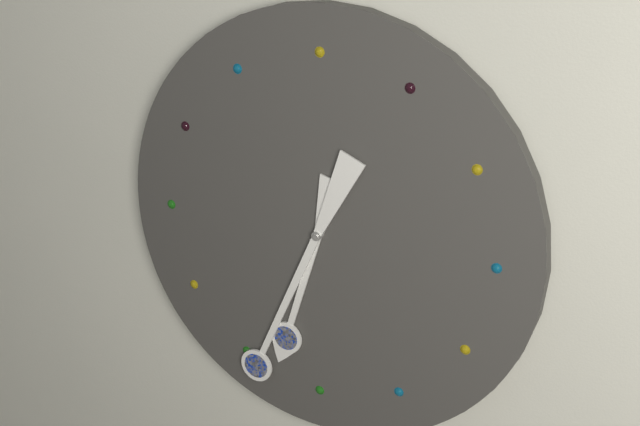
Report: 6 h 34 min
